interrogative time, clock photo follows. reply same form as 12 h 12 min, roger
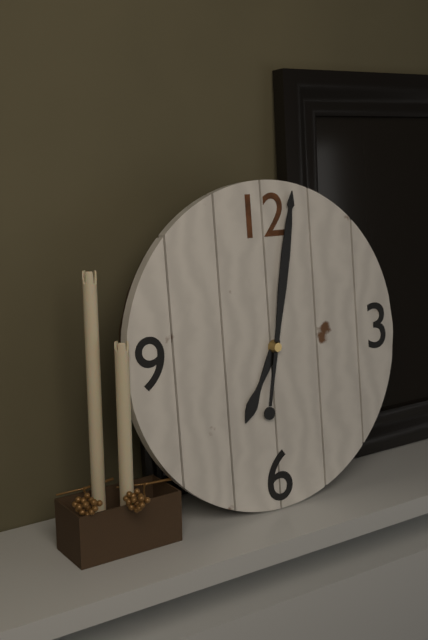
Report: 7 h 02 min
